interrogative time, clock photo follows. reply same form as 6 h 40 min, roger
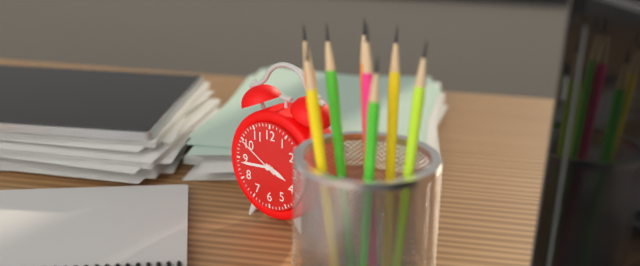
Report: 3 h 44 min
